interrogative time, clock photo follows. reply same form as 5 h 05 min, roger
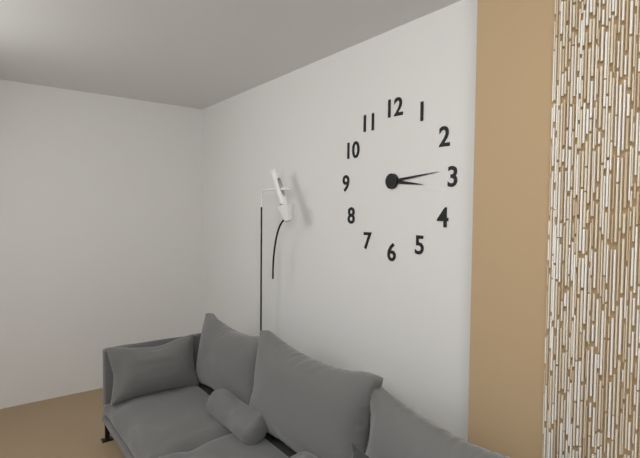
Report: 3 h 14 min
